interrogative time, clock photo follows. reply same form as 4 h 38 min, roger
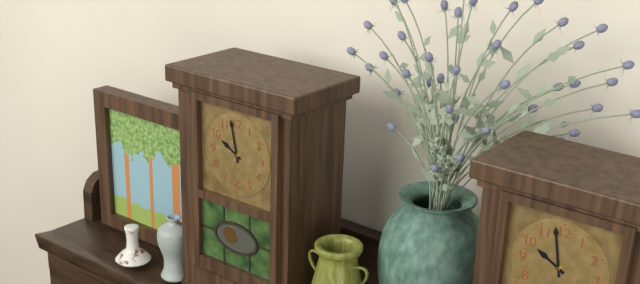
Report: 9 h 58 min
